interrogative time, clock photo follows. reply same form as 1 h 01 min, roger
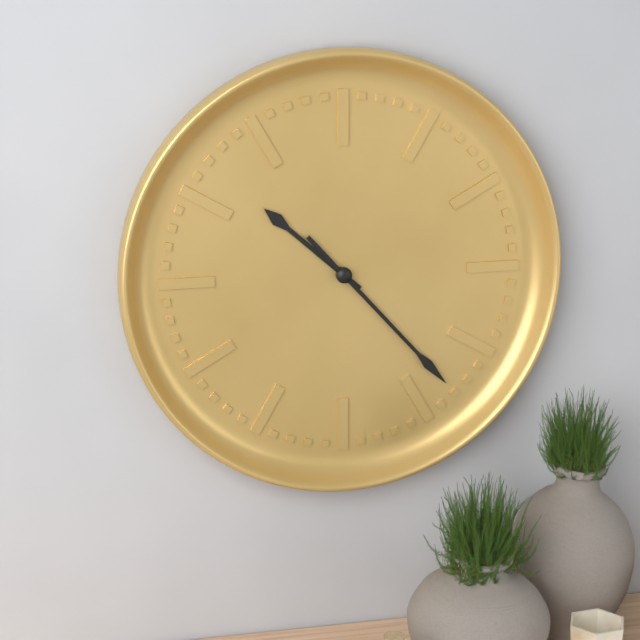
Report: 10 h 23 min
